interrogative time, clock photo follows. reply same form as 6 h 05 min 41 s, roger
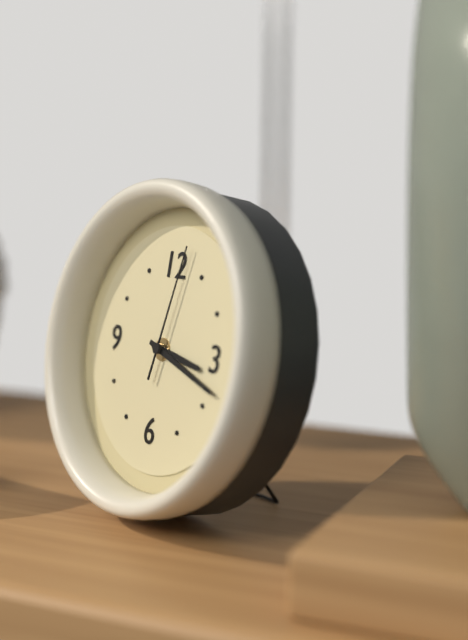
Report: 3 h 18 min 02 s
